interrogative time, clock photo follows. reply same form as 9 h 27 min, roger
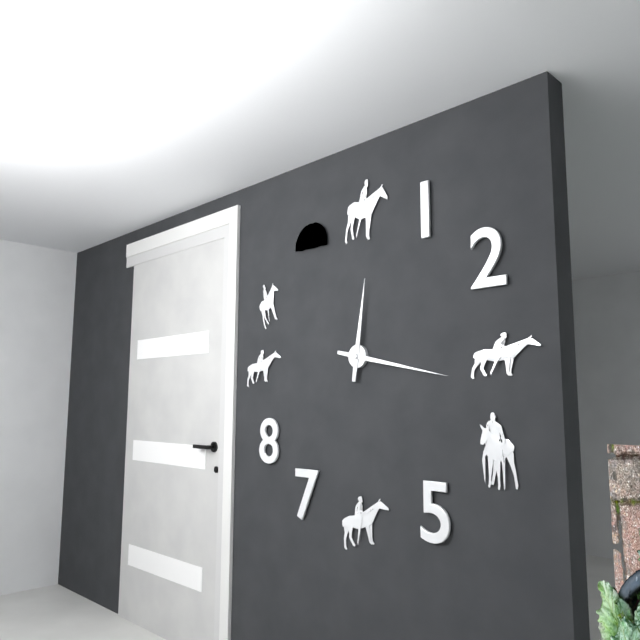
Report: 12 h 17 min
